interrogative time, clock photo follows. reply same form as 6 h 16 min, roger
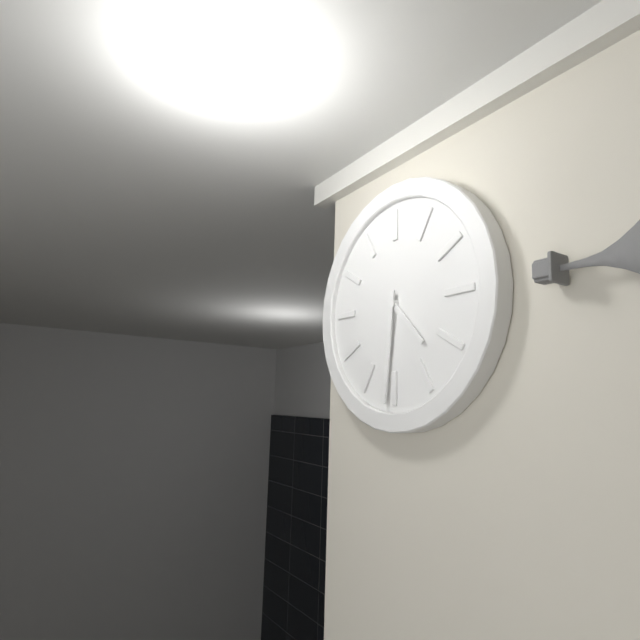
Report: 4 h 31 min
